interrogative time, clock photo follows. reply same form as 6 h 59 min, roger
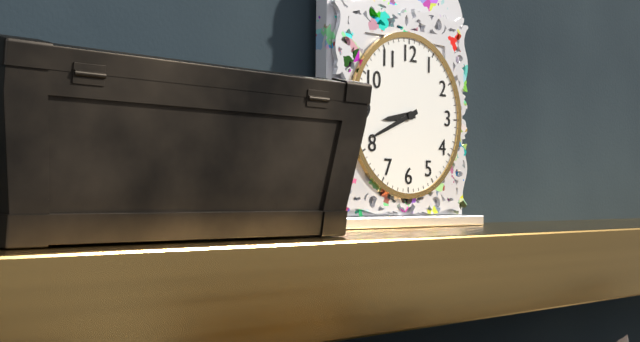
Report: 8 h 41 min
